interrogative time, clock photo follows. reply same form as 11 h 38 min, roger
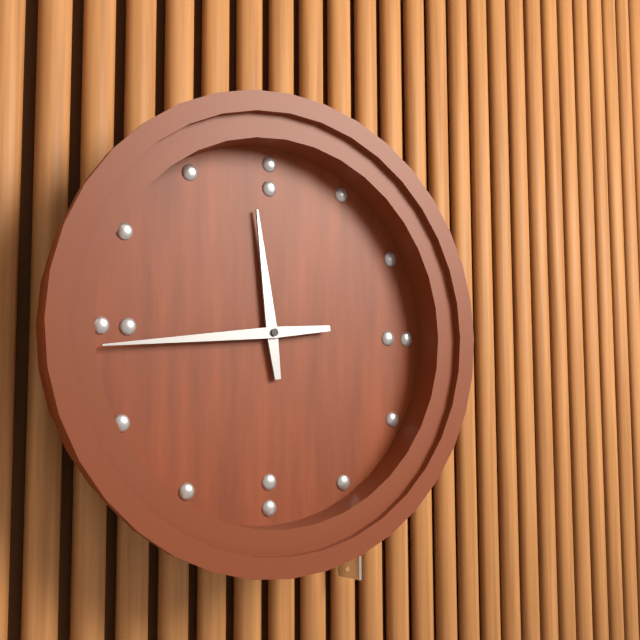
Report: 11 h 44 min
